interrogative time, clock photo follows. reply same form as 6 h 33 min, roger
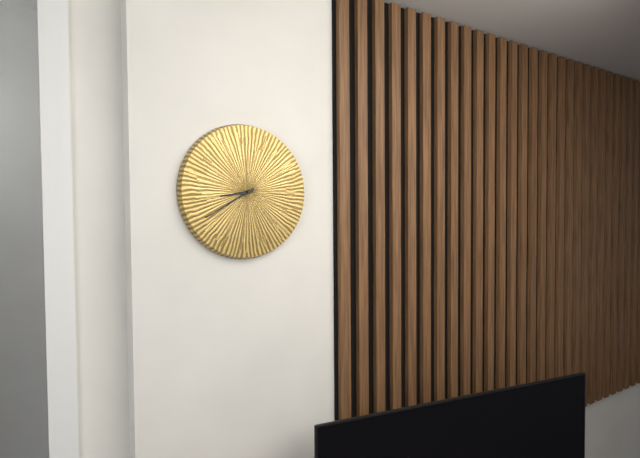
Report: 8 h 40 min
